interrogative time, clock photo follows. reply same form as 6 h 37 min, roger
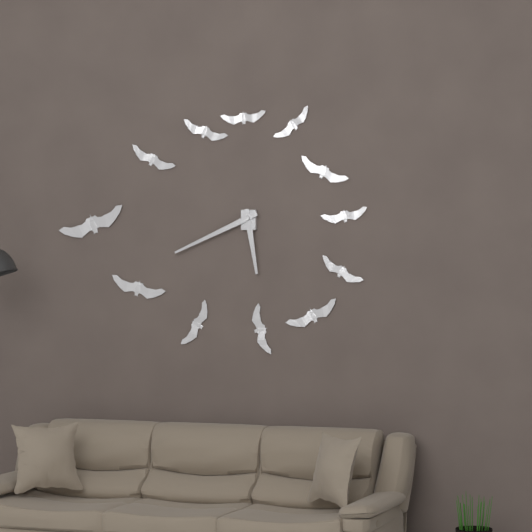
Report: 5 h 41 min
